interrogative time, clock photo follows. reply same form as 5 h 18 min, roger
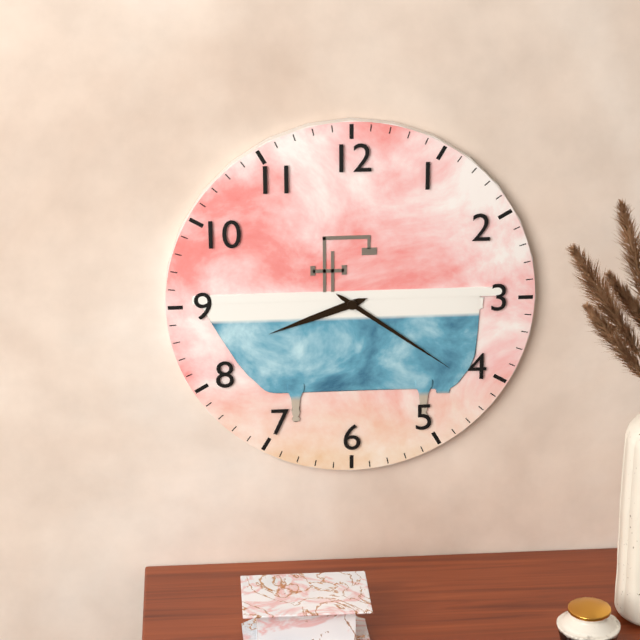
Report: 8 h 21 min
